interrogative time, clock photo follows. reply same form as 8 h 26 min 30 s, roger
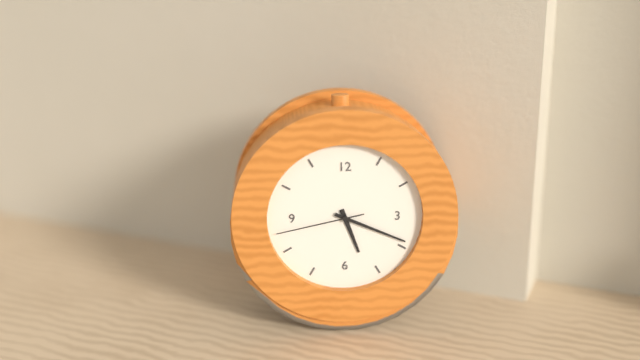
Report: 5 h 19 min 43 s
